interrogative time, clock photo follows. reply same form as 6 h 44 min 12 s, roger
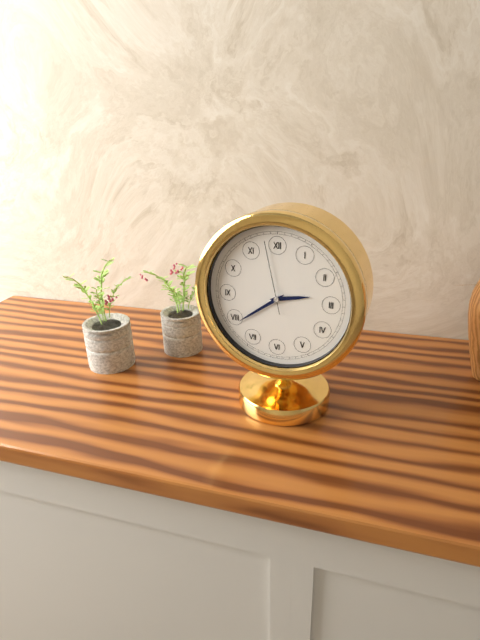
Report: 2 h 39 min 58 s
